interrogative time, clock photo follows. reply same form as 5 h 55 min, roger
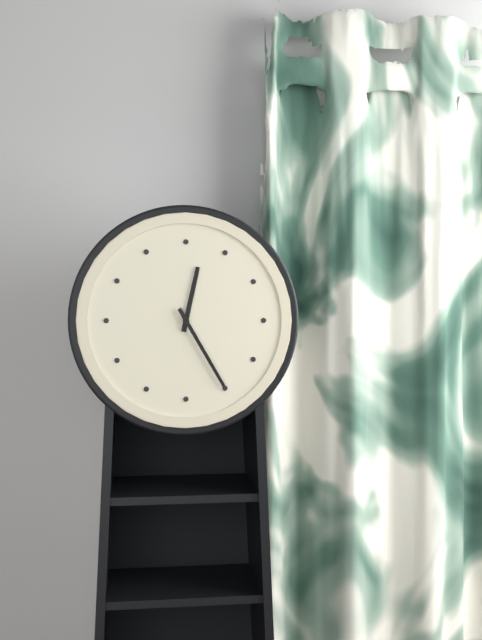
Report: 12 h 25 min
